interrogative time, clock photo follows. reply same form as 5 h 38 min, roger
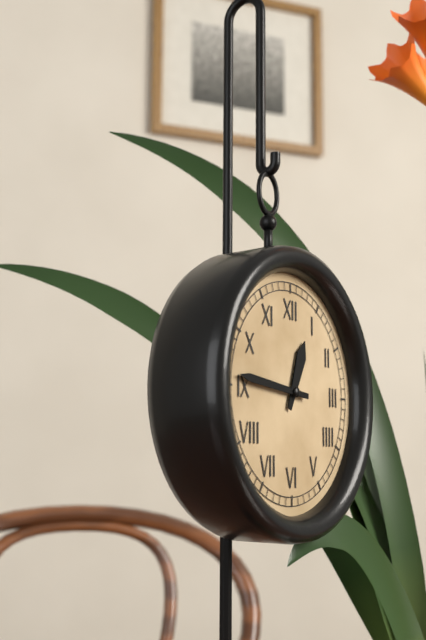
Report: 12 h 46 min
